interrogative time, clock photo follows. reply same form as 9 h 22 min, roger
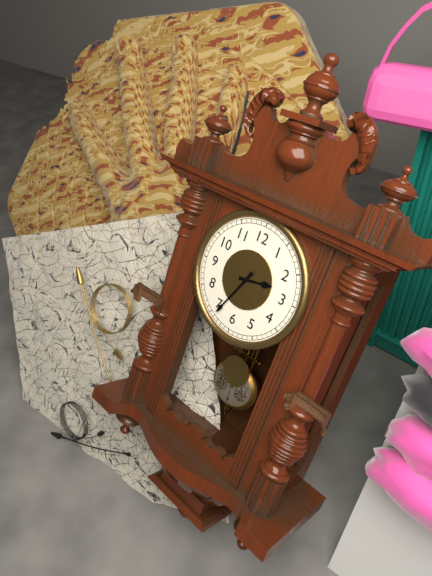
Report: 2 h 34 min
